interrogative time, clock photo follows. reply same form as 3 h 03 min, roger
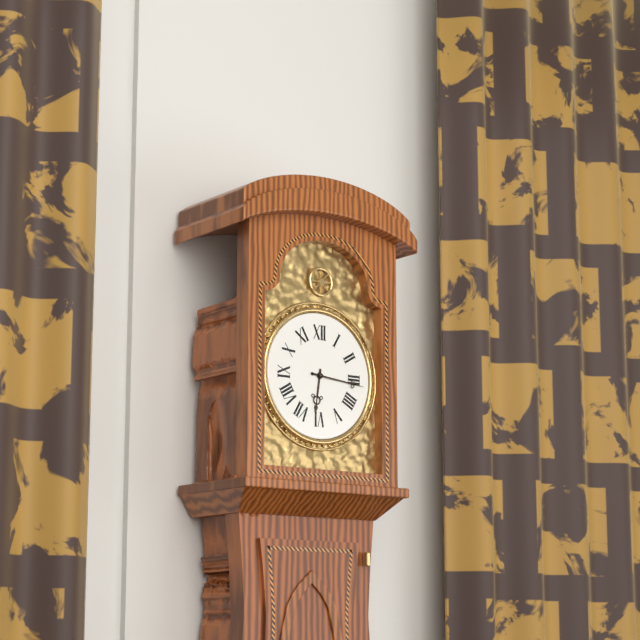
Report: 6 h 16 min
